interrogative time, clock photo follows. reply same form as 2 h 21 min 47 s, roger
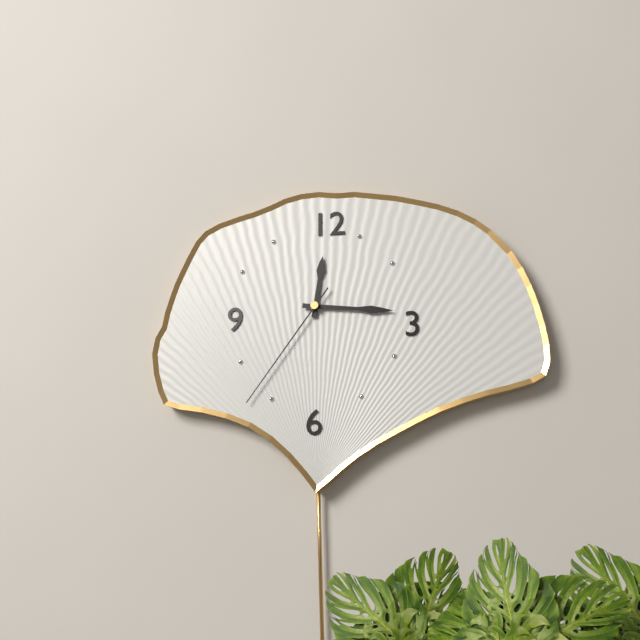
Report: 12 h 16 min 36 s
